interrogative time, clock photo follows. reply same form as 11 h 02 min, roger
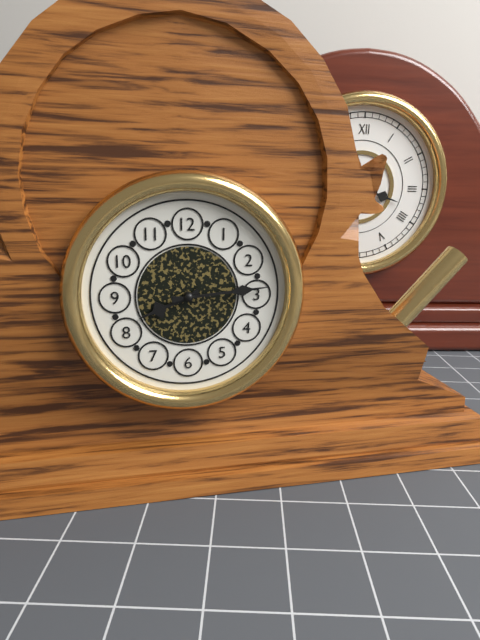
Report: 8 h 14 min
